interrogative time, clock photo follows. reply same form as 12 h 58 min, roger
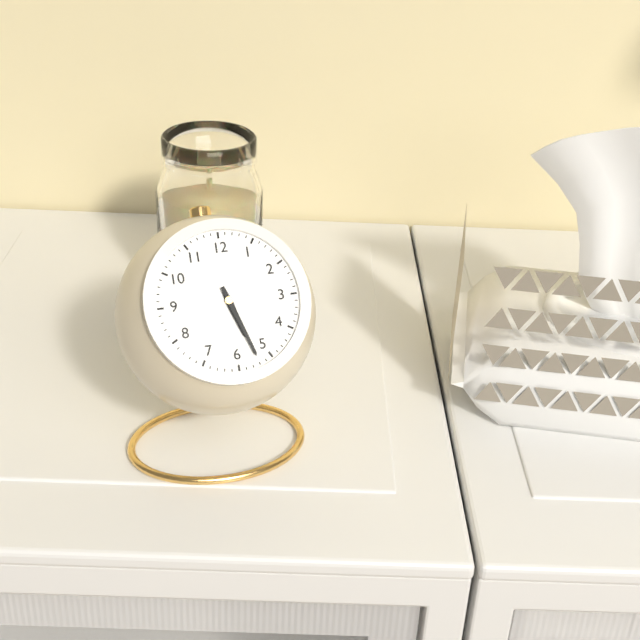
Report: 5 h 27 min
